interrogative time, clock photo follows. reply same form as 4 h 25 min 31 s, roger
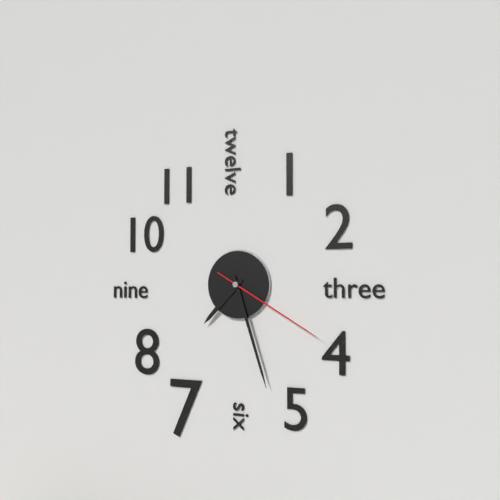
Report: 7 h 27 min 20 s
